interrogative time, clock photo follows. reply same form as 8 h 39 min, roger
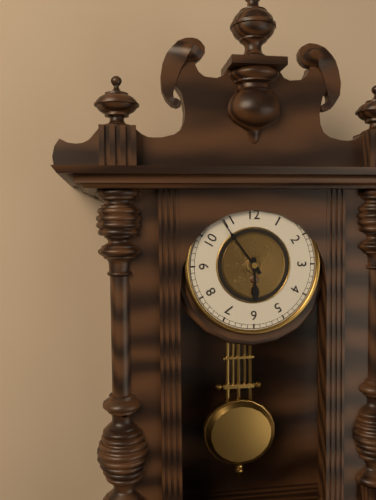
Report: 5 h 54 min
